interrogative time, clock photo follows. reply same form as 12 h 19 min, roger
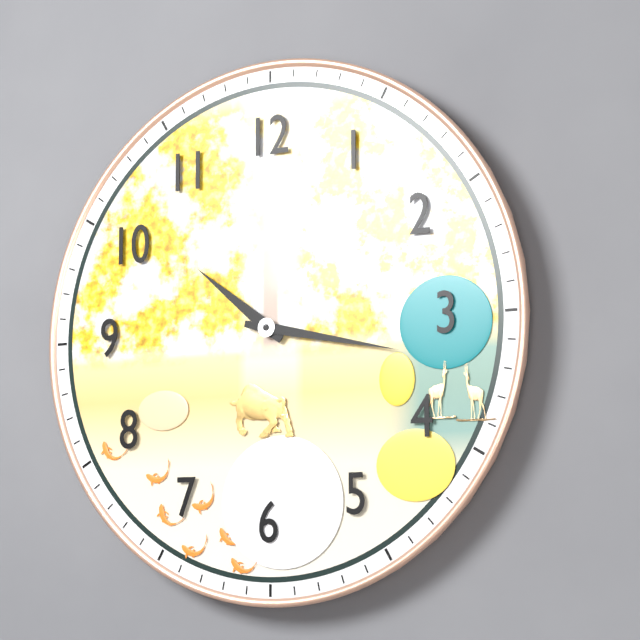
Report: 10 h 17 min
